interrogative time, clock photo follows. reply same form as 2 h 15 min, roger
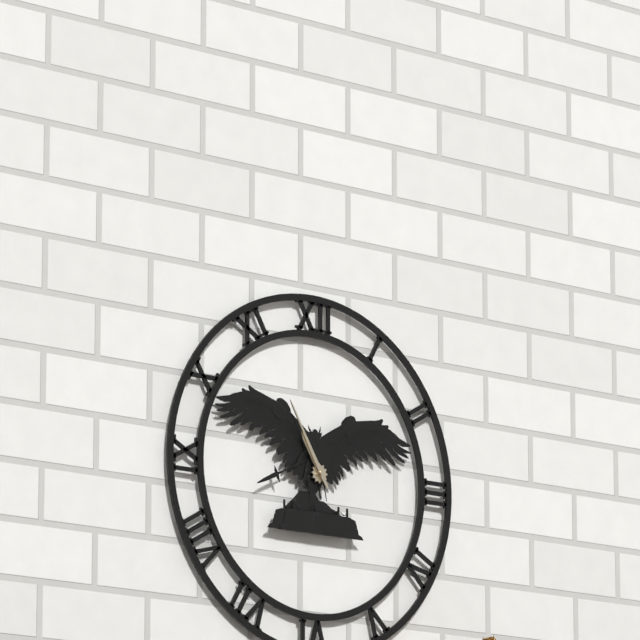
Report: 10 h 55 min
